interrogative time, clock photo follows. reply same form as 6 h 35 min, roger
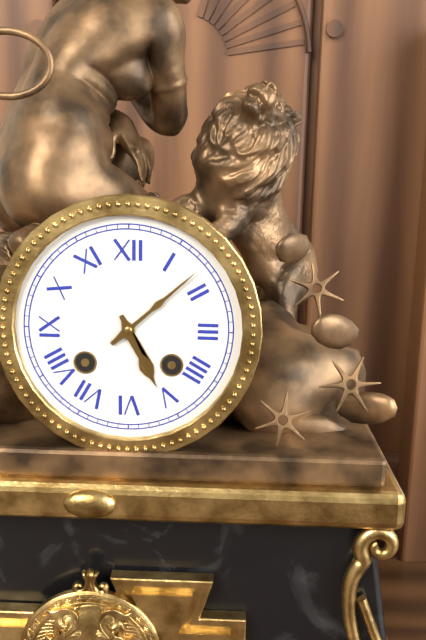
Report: 5 h 08 min
